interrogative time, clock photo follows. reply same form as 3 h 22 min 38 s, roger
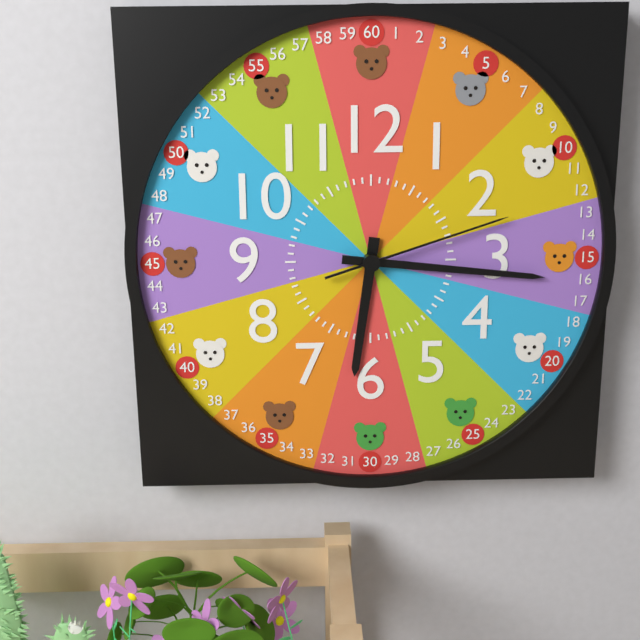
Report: 6 h 16 min 12 s
